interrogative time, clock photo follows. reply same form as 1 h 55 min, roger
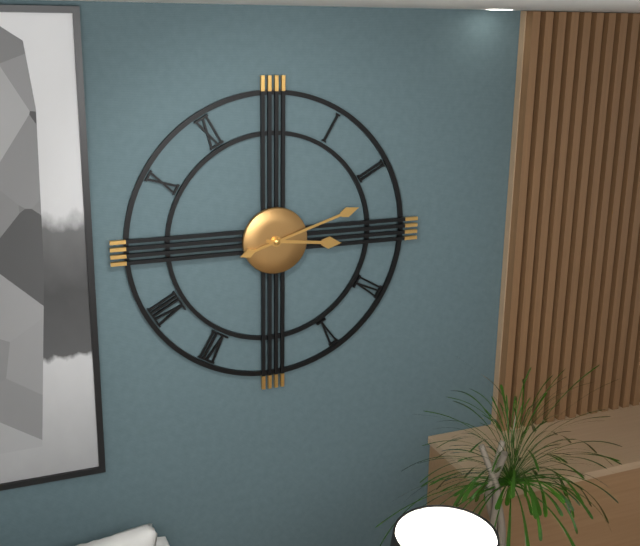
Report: 3 h 12 min
